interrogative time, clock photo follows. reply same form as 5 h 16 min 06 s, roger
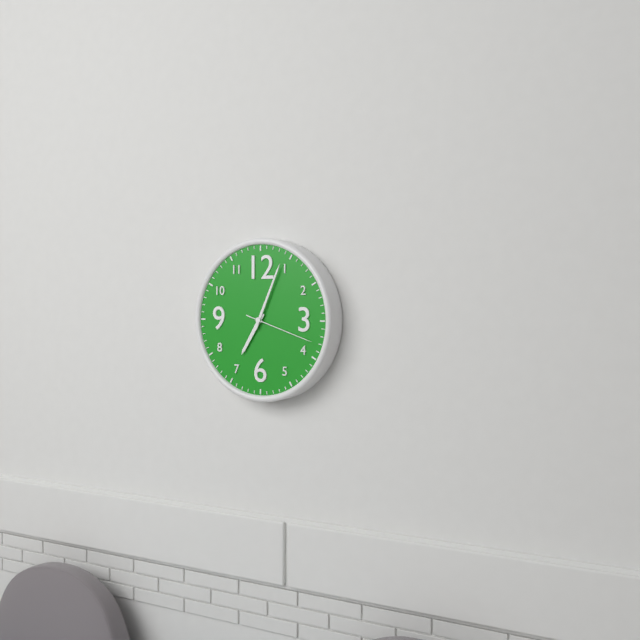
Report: 7 h 04 min 18 s
